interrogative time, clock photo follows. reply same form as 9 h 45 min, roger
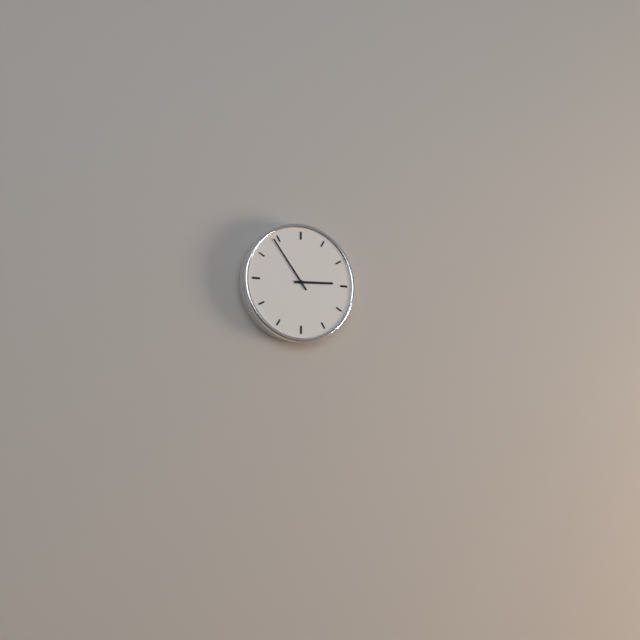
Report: 2 h 54 min
